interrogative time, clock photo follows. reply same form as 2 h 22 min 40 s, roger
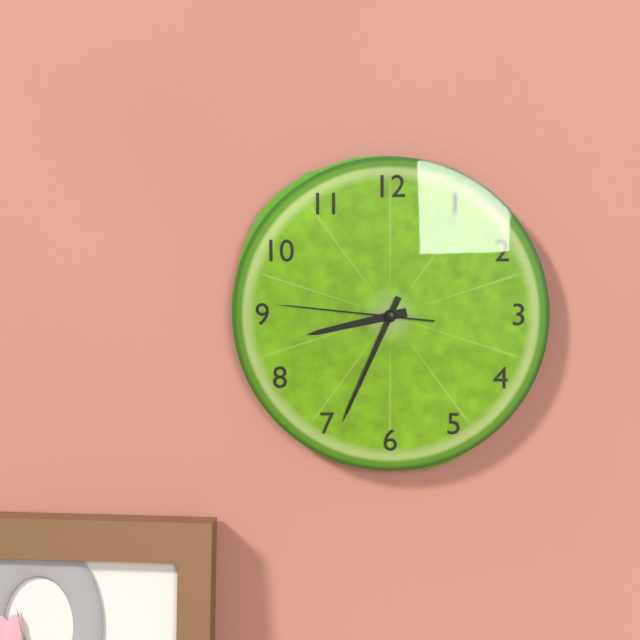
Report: 8 h 34 min 46 s
